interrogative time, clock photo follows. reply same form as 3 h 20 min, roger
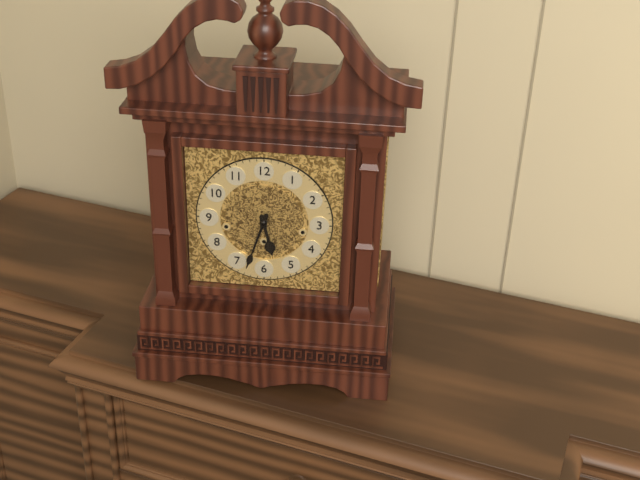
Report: 5 h 33 min
